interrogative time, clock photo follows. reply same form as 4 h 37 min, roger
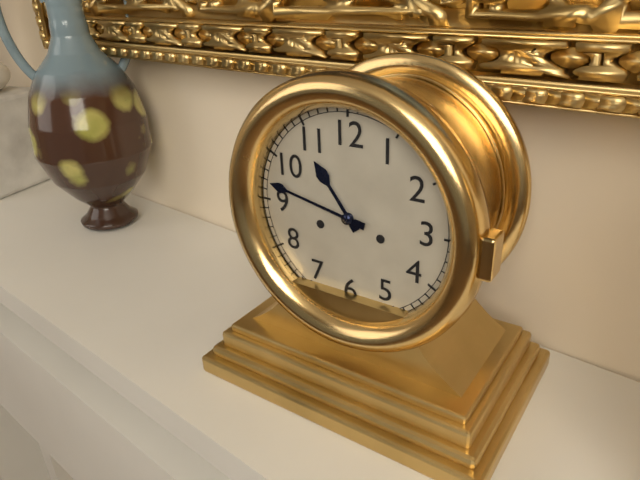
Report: 10 h 47 min
